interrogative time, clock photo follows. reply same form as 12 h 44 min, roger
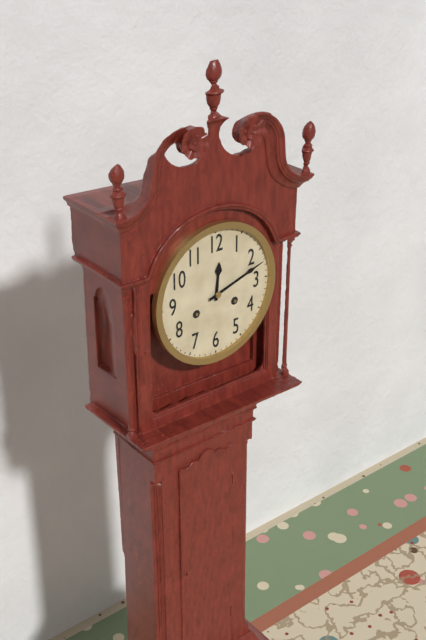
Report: 12 h 12 min
